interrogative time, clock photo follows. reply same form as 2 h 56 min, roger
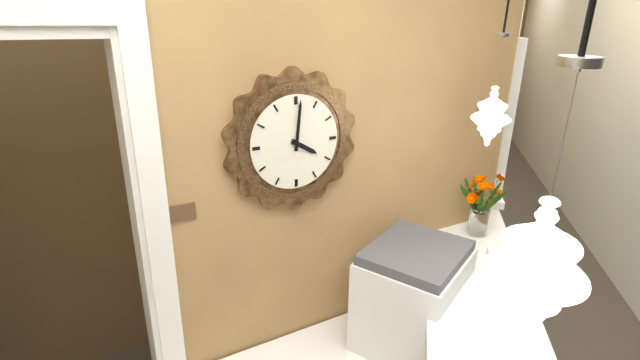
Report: 4 h 01 min
